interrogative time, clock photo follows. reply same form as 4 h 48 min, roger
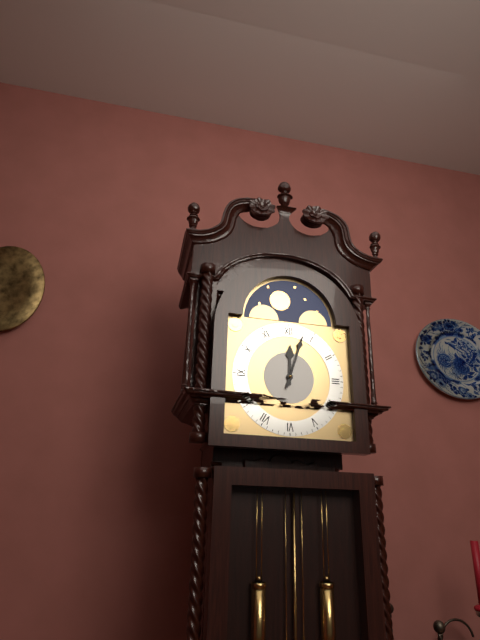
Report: 12 h 03 min
